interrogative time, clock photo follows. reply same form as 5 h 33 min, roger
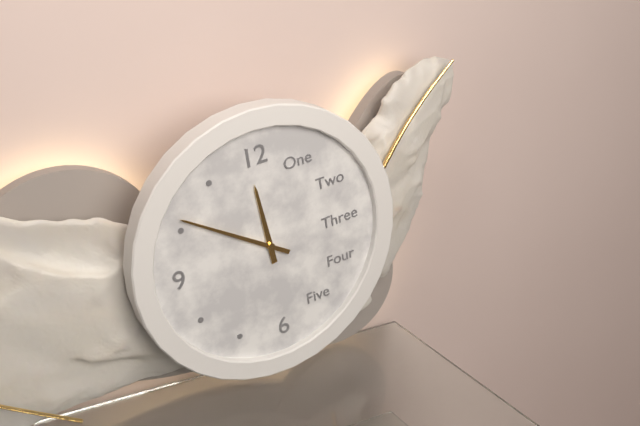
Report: 11 h 51 min
